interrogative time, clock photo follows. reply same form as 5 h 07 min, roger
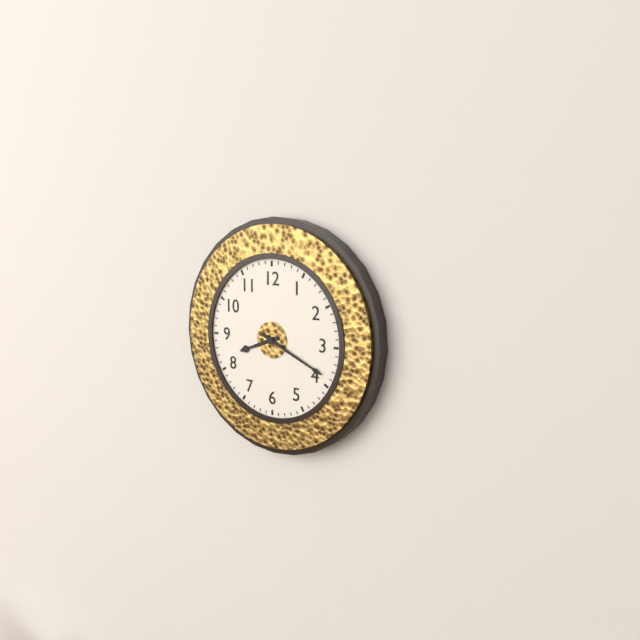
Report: 8 h 19 min
